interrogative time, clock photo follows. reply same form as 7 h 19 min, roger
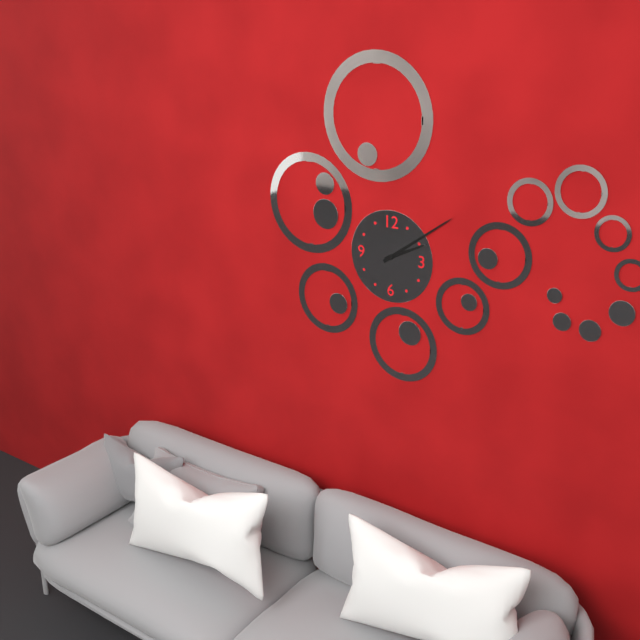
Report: 2 h 09 min
